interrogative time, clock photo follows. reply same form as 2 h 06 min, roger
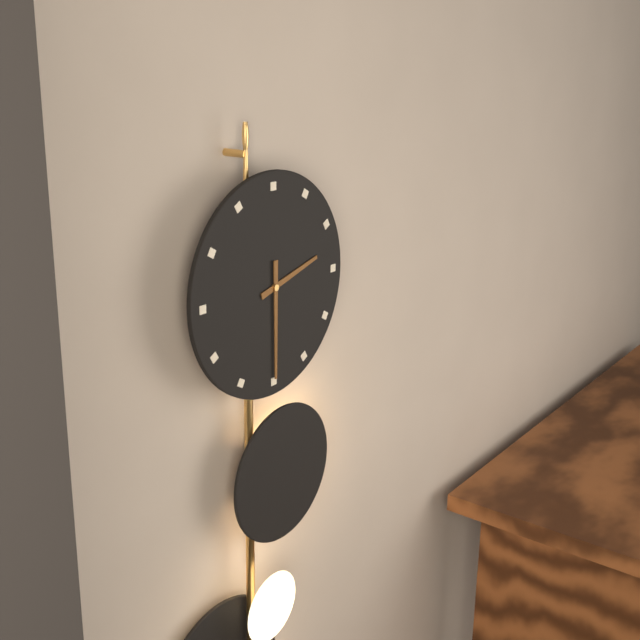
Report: 2 h 30 min
